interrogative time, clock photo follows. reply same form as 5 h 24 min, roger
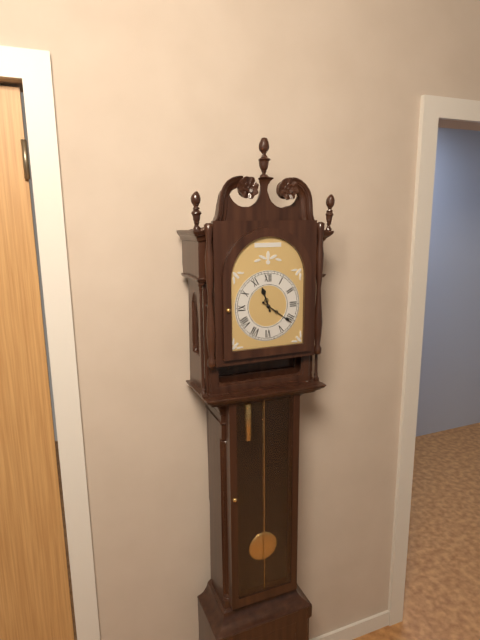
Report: 11 h 21 min
